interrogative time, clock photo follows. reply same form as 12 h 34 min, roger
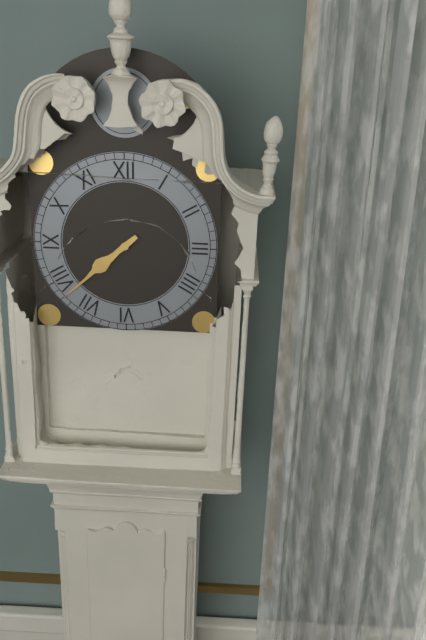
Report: 7 h 38 min
